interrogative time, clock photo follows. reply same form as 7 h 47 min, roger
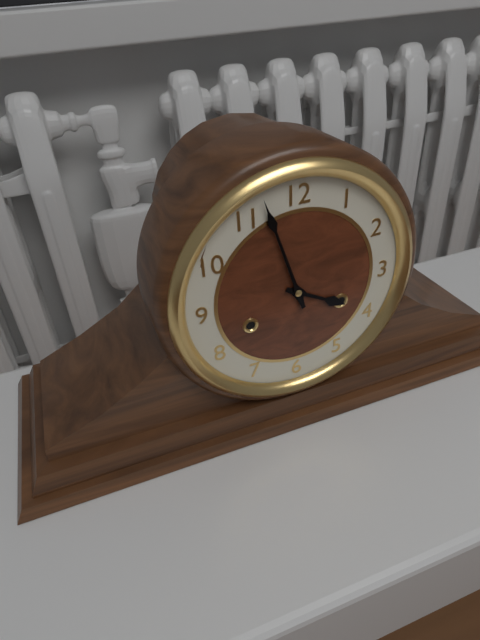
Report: 3 h 57 min
